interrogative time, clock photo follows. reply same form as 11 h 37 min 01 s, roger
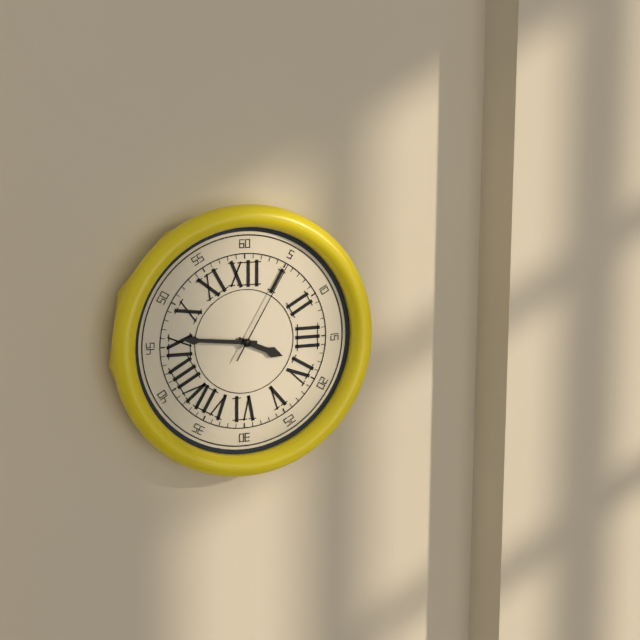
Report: 3 h 46 min 05 s
